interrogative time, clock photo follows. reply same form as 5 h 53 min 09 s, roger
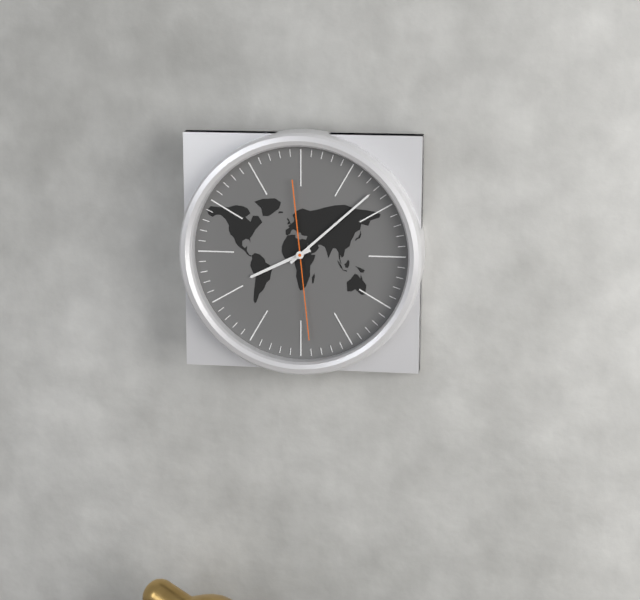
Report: 8 h 08 min 29 s
